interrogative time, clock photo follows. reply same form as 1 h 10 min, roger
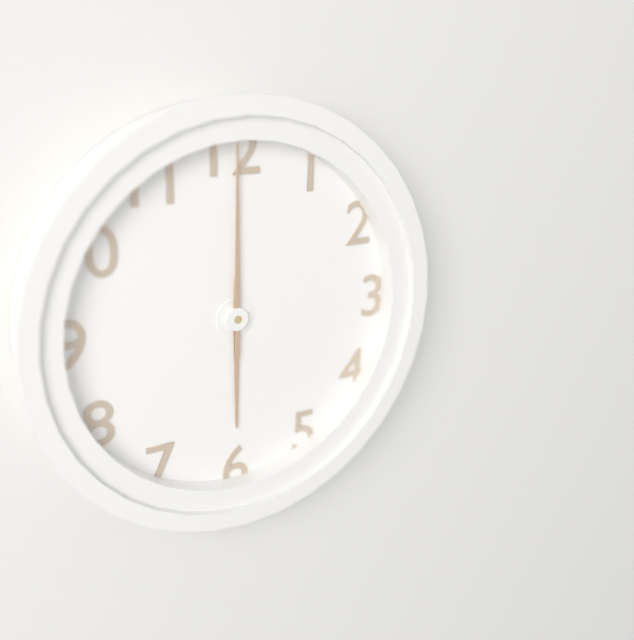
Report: 6 h 00 min
